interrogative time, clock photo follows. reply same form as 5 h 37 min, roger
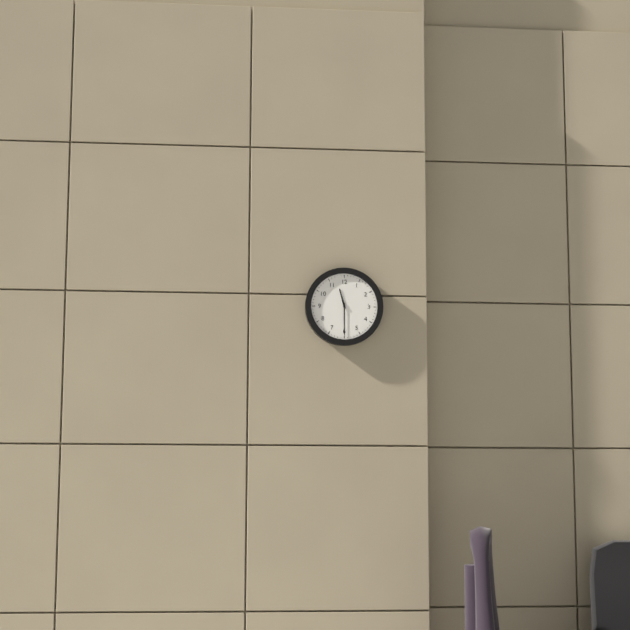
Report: 11 h 30 min
